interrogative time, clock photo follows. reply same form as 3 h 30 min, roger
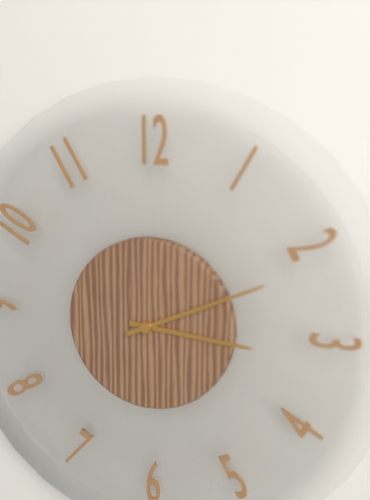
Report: 3 h 11 min
